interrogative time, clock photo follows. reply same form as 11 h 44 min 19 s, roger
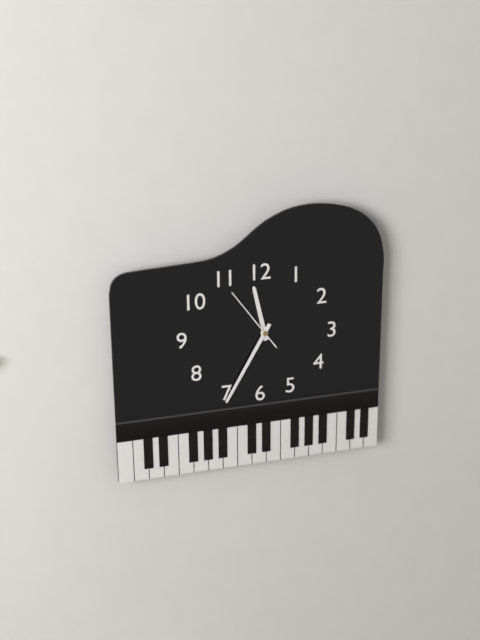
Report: 11 h 35 min 54 s
